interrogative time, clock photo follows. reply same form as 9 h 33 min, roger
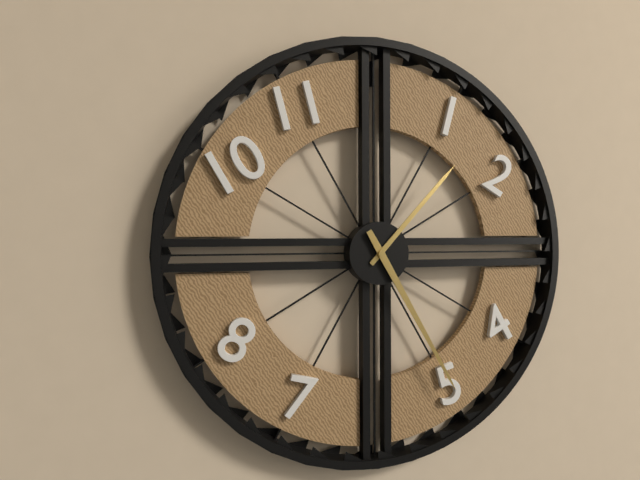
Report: 1 h 25 min
